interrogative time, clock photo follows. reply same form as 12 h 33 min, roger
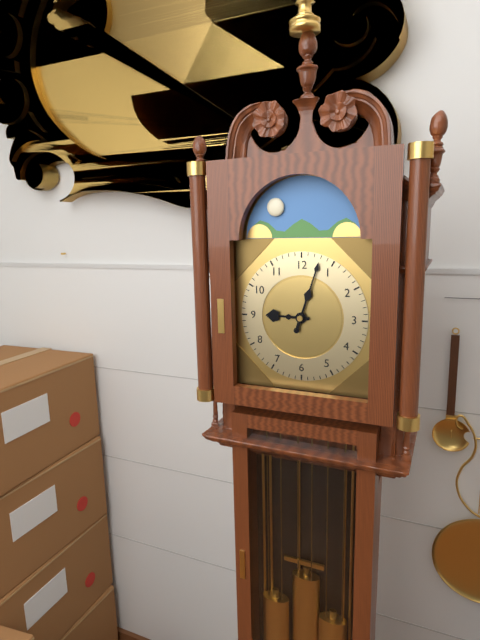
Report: 9 h 03 min
